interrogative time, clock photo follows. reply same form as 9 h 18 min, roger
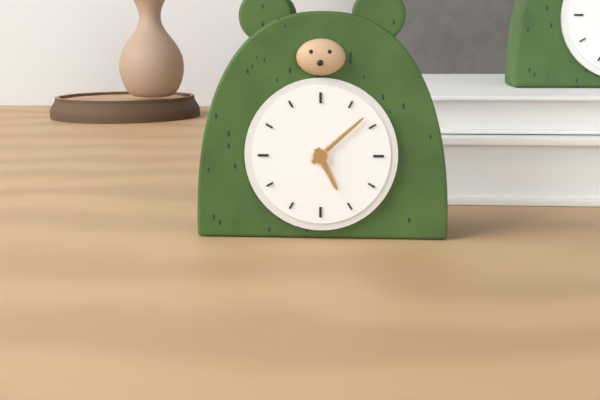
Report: 5 h 08 min
